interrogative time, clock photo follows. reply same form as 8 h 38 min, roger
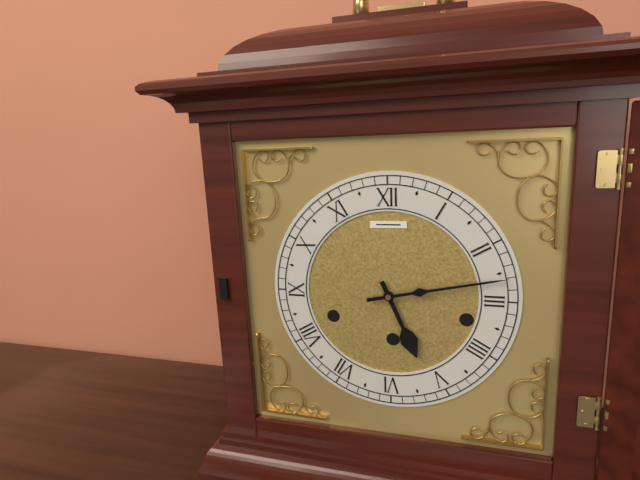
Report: 5 h 13 min
